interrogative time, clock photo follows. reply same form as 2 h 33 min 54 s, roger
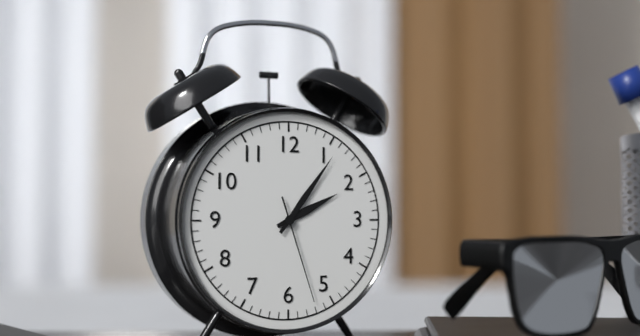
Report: 2 h 06 min 27 s
